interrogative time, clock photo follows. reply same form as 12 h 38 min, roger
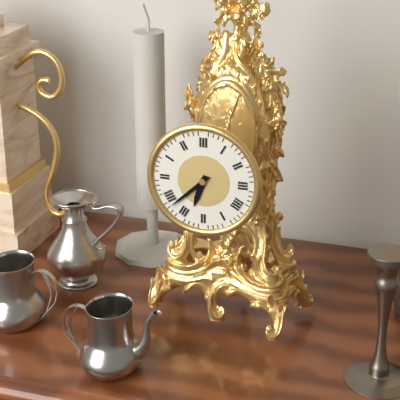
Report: 6 h 38 min
